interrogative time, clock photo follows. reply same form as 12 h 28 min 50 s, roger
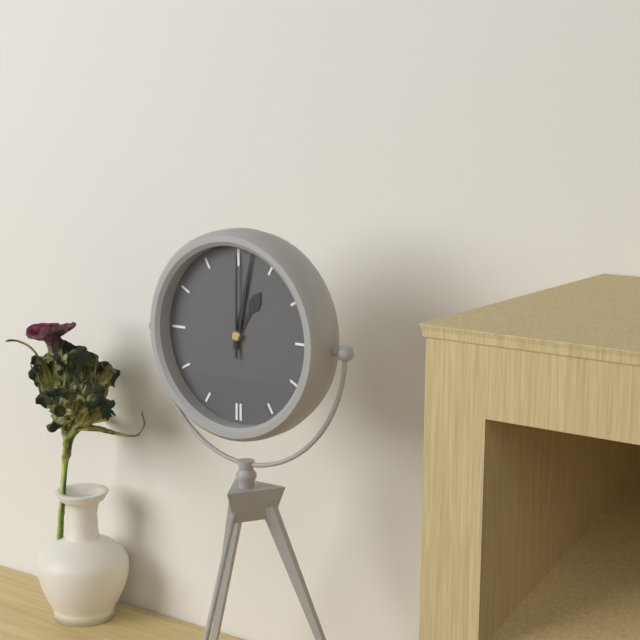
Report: 1 h 02 min 00 s
